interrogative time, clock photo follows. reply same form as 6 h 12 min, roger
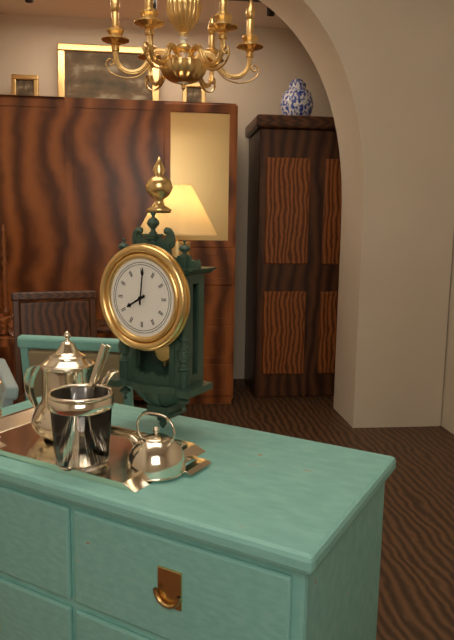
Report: 8 h 01 min
